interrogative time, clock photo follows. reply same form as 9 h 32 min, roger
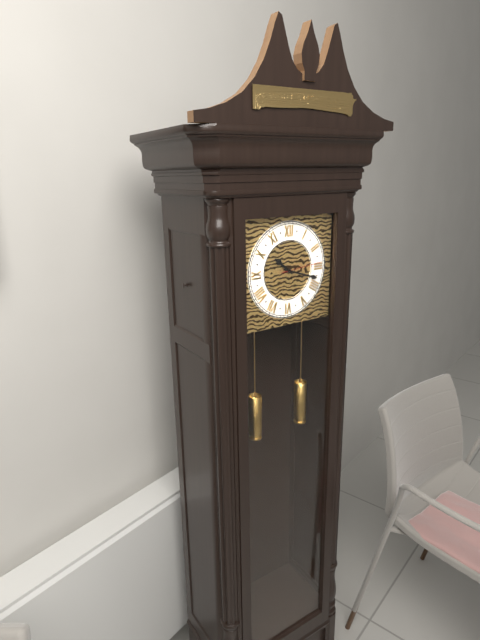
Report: 10 h 18 min
